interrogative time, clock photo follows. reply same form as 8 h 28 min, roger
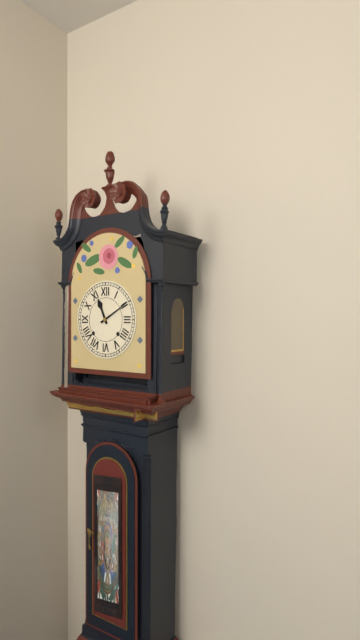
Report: 11 h 10 min
